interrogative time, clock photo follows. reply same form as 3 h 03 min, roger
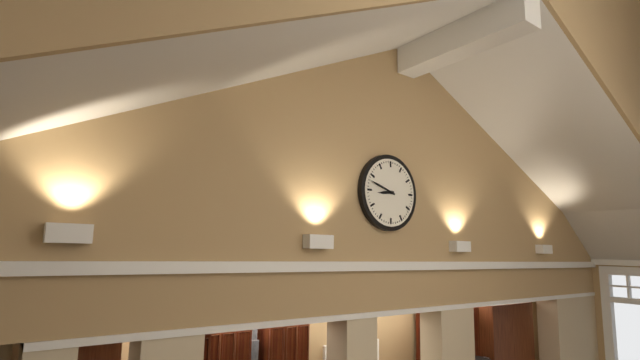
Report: 8 h 48 min
